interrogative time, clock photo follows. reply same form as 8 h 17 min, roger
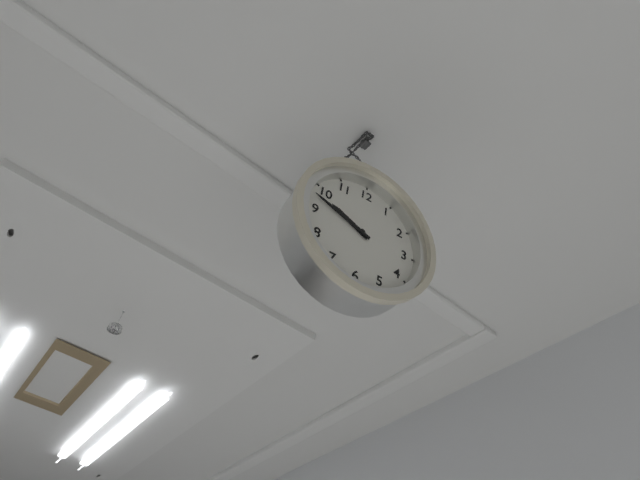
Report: 9 h 48 min
